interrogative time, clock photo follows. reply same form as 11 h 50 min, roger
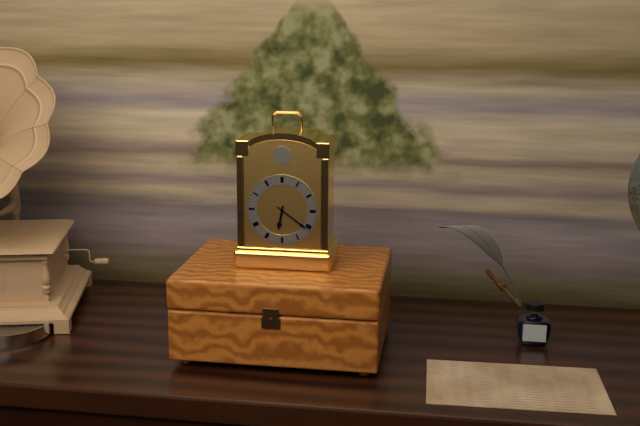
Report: 6 h 21 min
